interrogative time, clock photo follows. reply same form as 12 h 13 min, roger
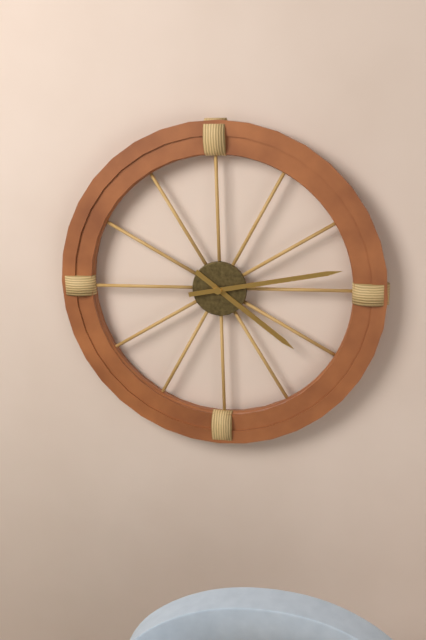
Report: 4 h 13 min
